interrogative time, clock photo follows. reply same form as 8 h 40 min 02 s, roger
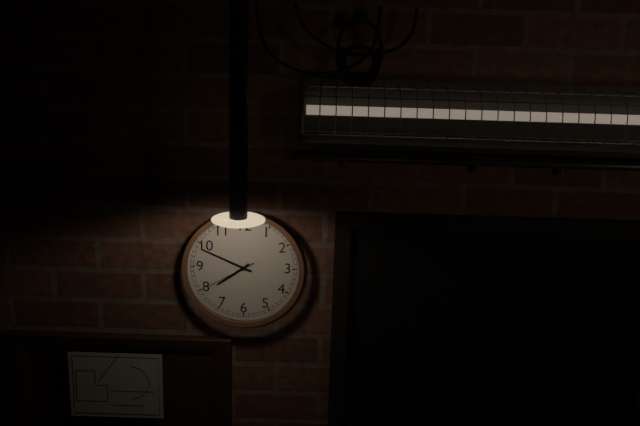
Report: 7 h 49 min 40 s
